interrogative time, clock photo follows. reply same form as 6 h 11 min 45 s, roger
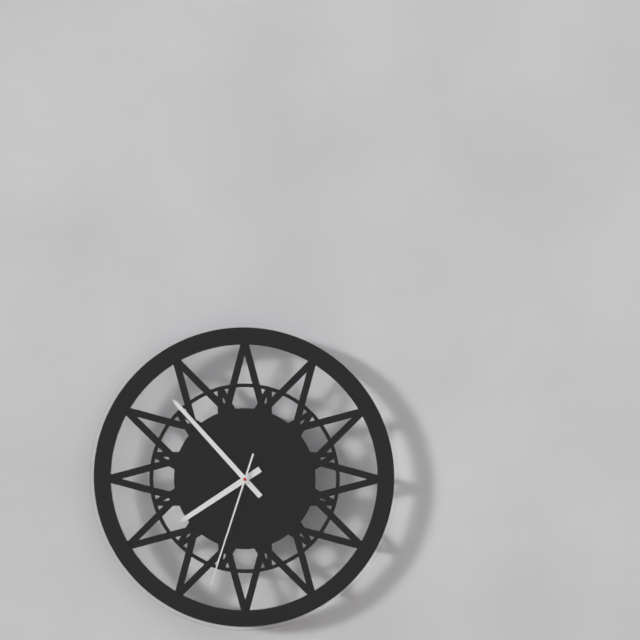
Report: 7 h 53 min 33 s
